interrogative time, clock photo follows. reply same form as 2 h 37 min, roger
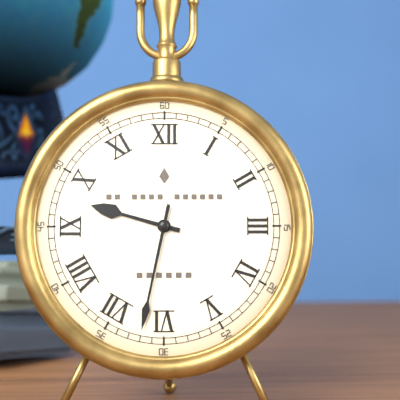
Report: 9 h 32 min
